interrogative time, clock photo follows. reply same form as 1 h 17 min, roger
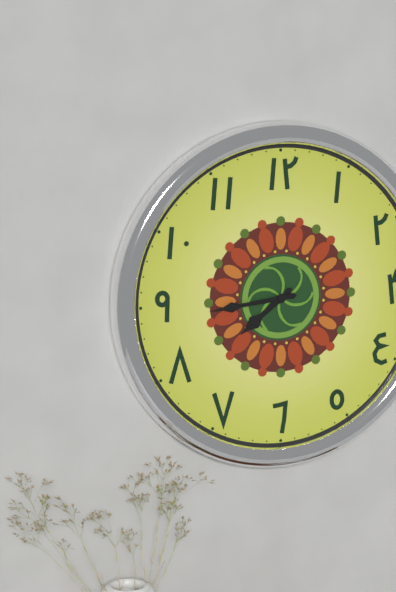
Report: 7 h 44 min
